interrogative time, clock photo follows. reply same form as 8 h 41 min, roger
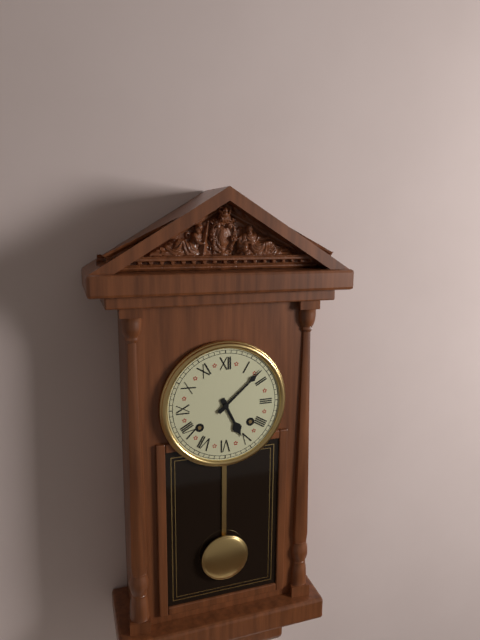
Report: 5 h 08 min
